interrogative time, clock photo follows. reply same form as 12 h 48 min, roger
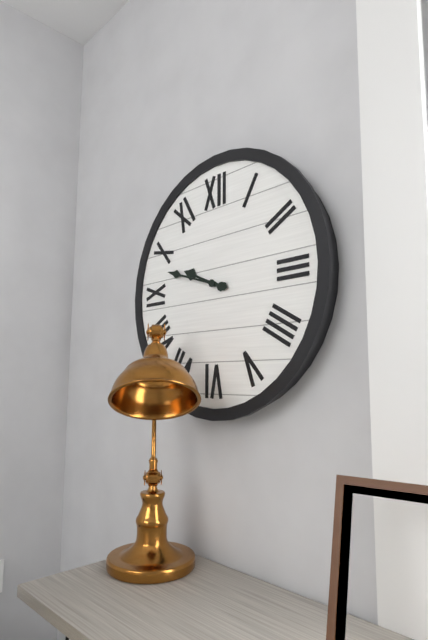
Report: 9 h 48 min
